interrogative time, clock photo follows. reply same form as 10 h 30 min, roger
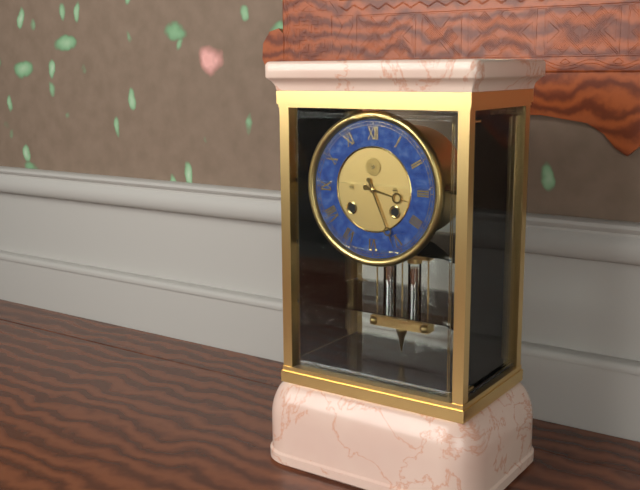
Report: 3 h 26 min
